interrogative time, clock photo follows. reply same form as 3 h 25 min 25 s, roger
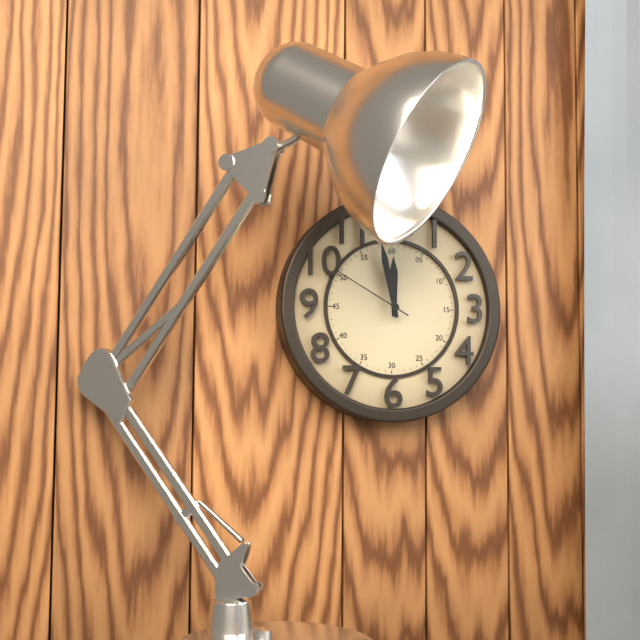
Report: 11 h 58 min 50 s
